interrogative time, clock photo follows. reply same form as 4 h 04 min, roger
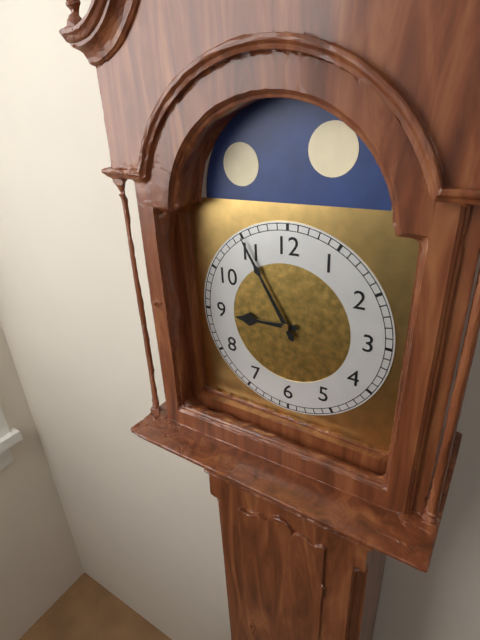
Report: 8 h 55 min
